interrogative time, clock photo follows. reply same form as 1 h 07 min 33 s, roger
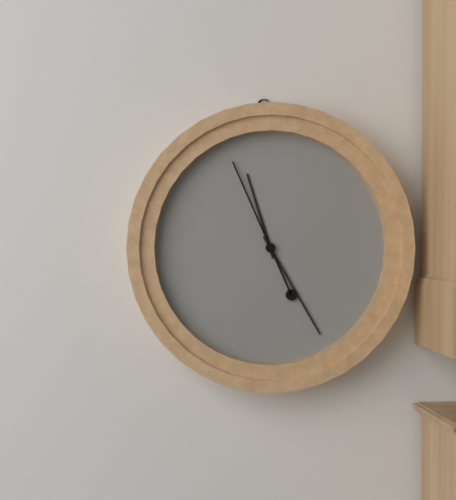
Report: 11 h 25 min 56 s
